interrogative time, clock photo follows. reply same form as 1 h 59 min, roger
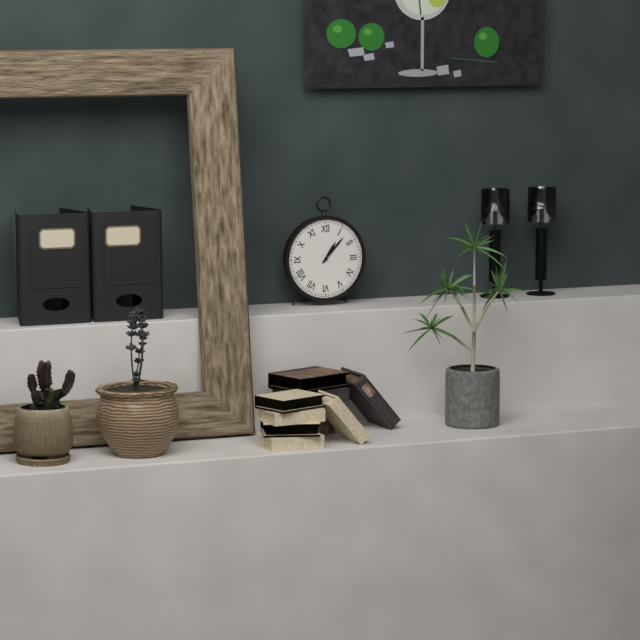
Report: 1 h 07 min
